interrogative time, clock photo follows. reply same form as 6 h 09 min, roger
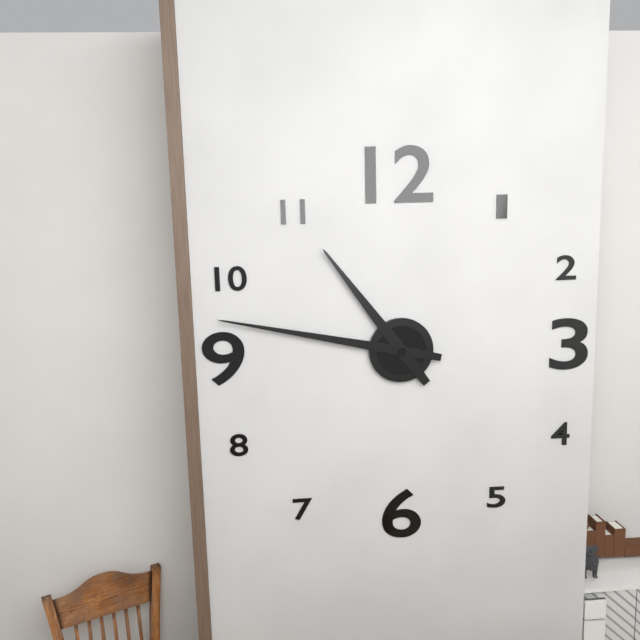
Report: 10 h 47 min
